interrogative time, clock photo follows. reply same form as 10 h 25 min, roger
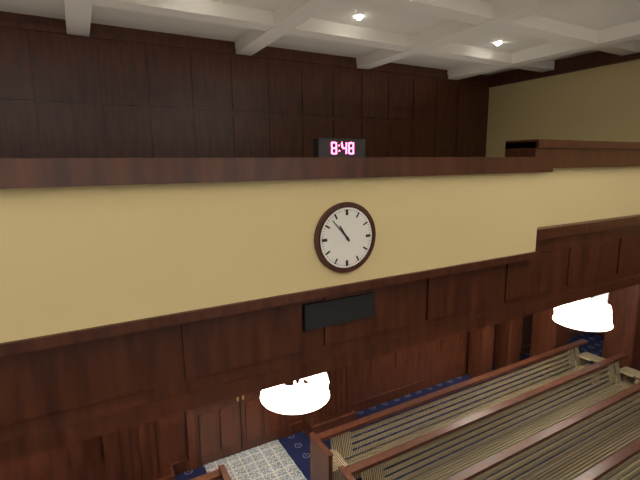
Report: 10 h 53 min
